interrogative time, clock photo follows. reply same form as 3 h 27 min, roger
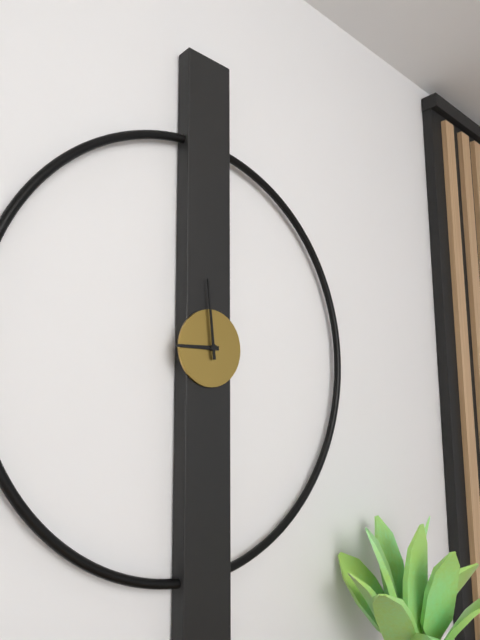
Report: 8 h 59 min
